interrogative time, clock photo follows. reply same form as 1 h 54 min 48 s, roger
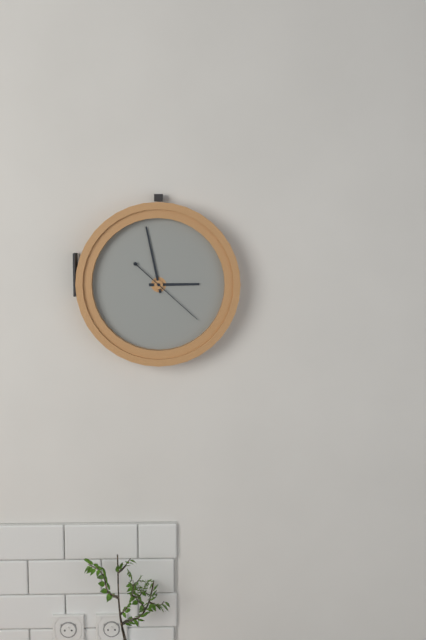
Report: 2 h 58 min 22 s
